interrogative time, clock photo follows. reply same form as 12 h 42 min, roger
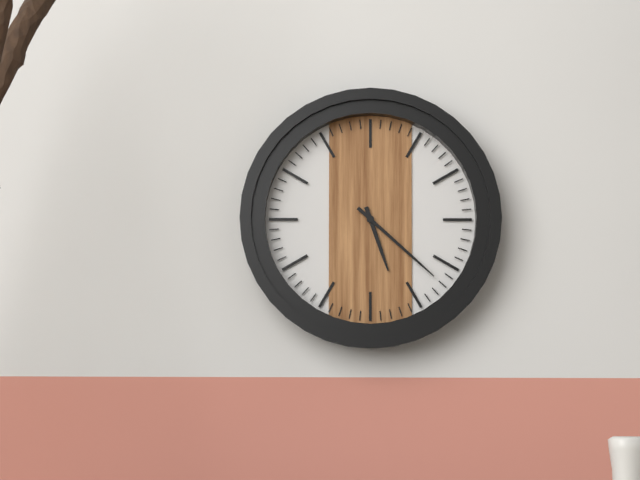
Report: 5 h 22 min
